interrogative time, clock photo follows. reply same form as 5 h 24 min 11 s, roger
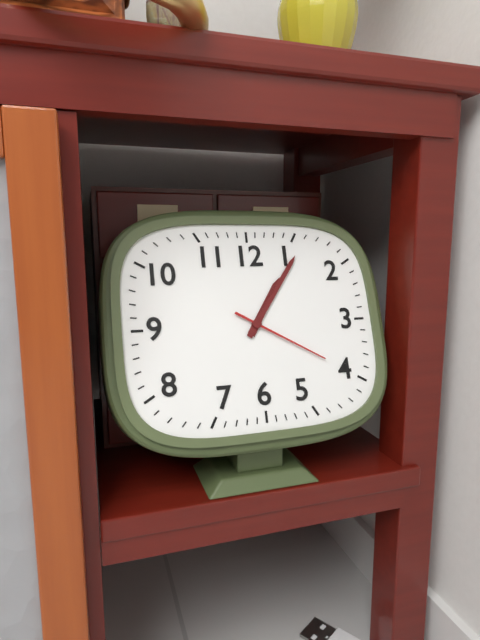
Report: 1 h 06 min 20 s
